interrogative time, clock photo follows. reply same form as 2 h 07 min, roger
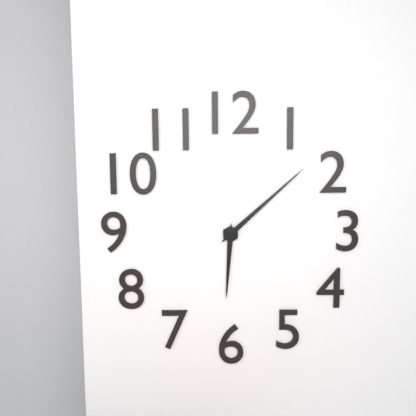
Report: 6 h 08 min
